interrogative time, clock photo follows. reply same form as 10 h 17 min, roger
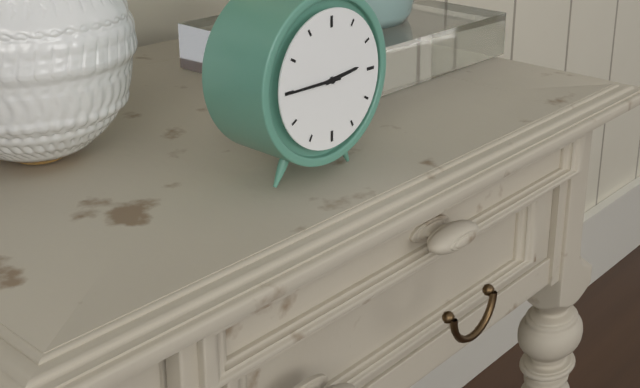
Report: 2 h 45 min
